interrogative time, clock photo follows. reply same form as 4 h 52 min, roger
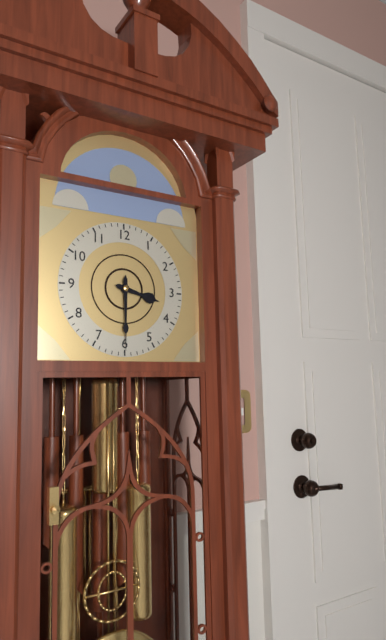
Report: 3 h 30 min
